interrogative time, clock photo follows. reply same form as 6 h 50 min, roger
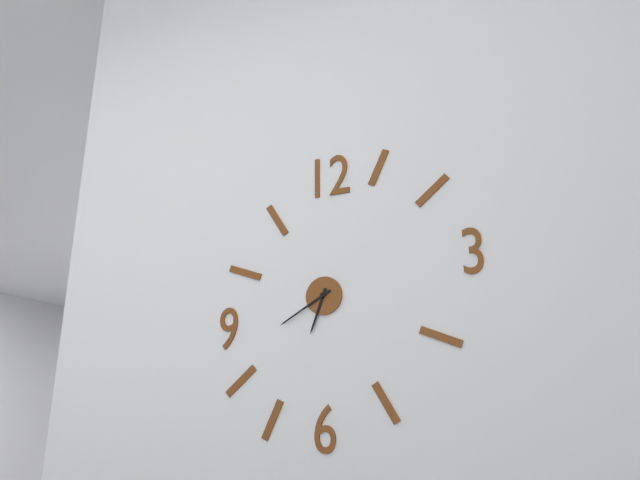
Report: 6 h 40 min
